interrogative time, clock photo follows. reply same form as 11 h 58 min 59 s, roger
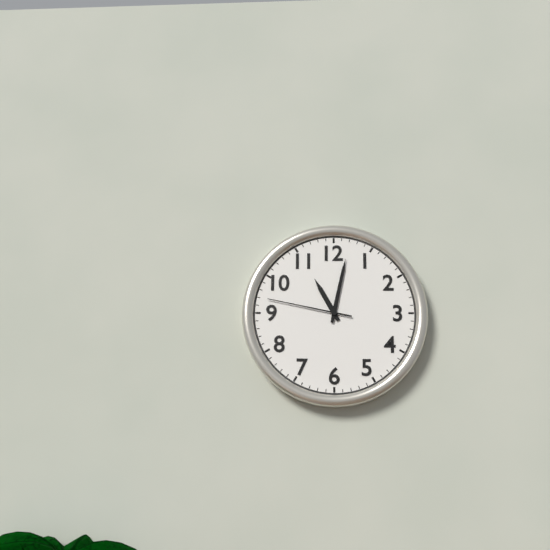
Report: 11 h 02 min 47 s
